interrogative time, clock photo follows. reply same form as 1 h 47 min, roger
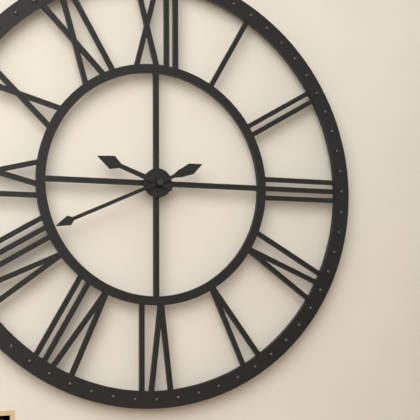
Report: 9 h 41 min
